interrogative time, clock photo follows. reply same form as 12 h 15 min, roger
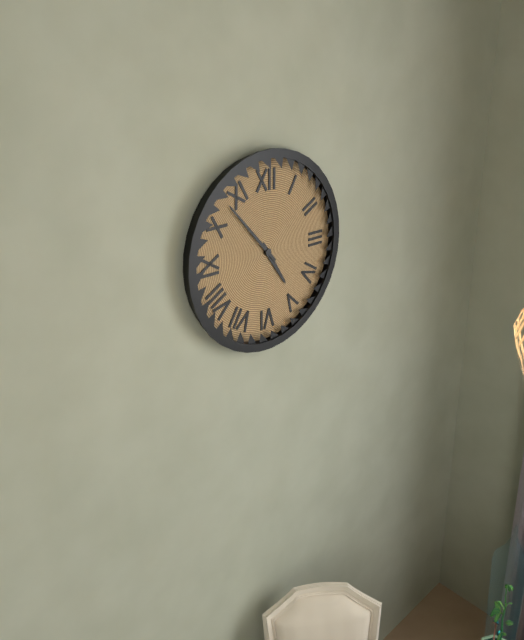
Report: 4 h 53 min
